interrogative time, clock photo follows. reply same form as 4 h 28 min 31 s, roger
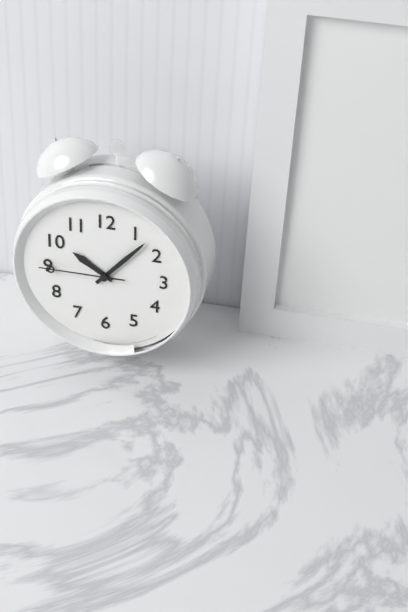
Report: 10 h 07 min 45 s
